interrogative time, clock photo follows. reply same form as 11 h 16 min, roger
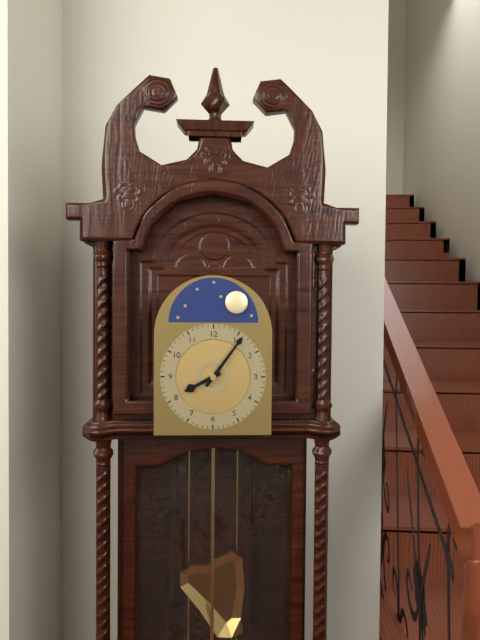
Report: 8 h 06 min
